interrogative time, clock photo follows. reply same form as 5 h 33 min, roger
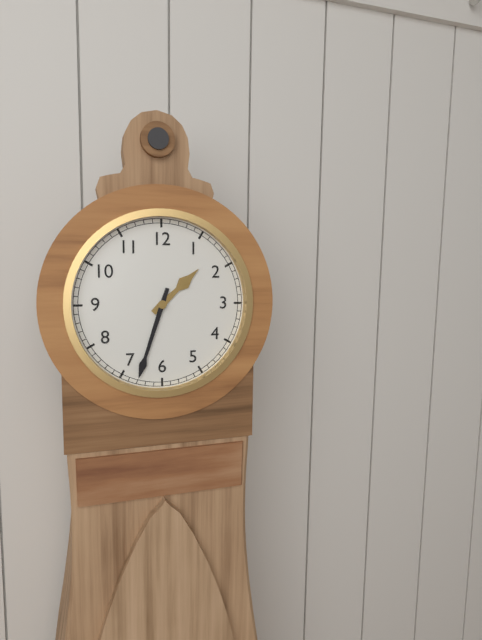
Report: 1 h 33 min
